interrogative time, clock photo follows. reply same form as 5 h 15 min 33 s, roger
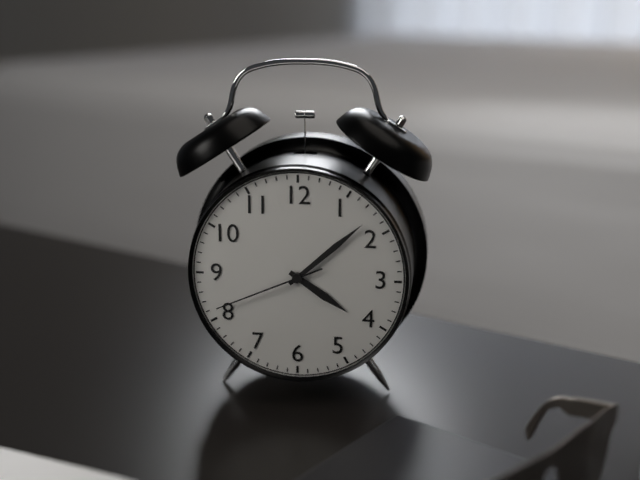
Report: 4 h 08 min 41 s
